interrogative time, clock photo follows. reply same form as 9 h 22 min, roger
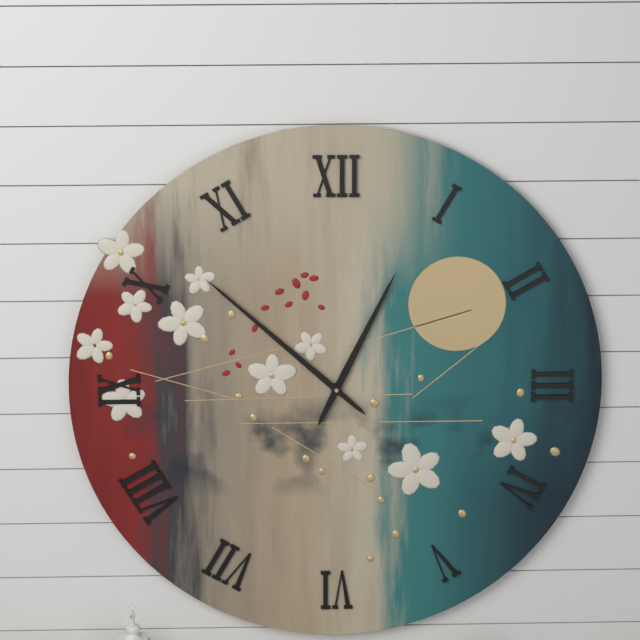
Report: 12 h 52 min
